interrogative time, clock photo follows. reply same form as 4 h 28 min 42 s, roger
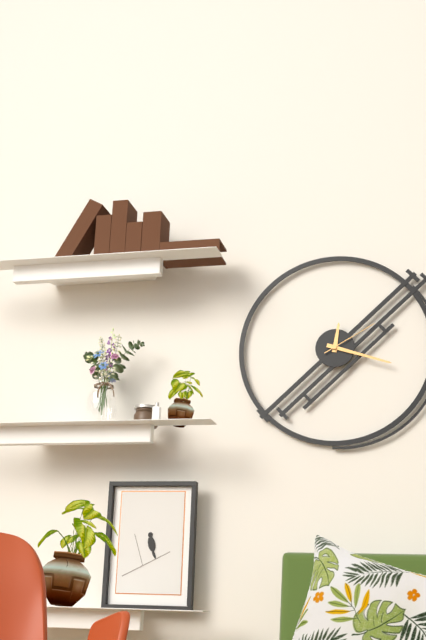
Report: 12 h 18 min 10 s
